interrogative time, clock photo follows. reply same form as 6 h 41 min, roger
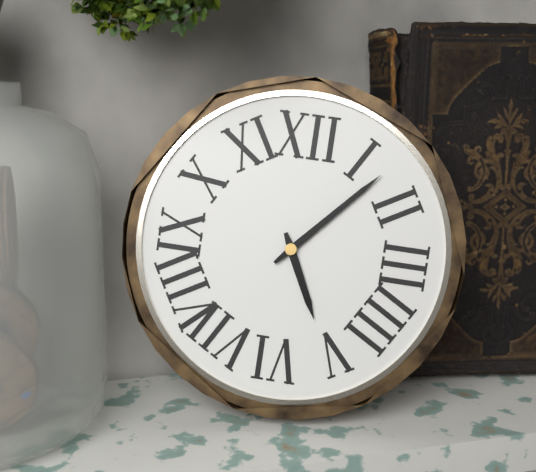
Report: 5 h 07 min
